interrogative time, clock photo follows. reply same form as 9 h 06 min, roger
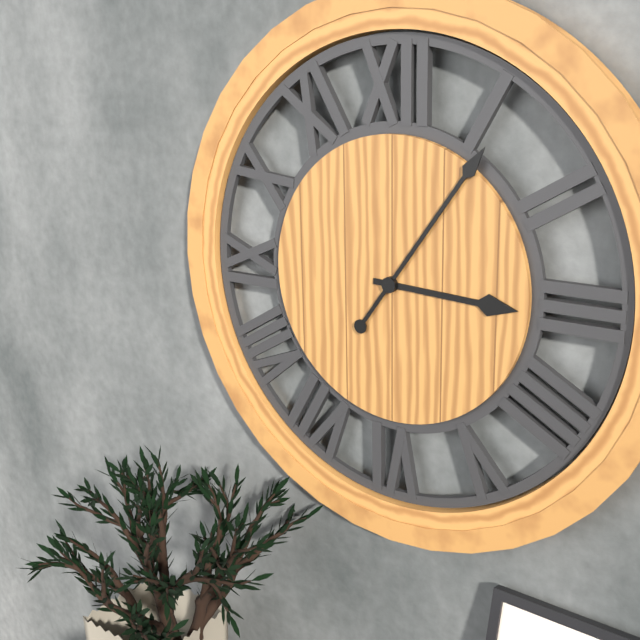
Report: 3 h 06 min
